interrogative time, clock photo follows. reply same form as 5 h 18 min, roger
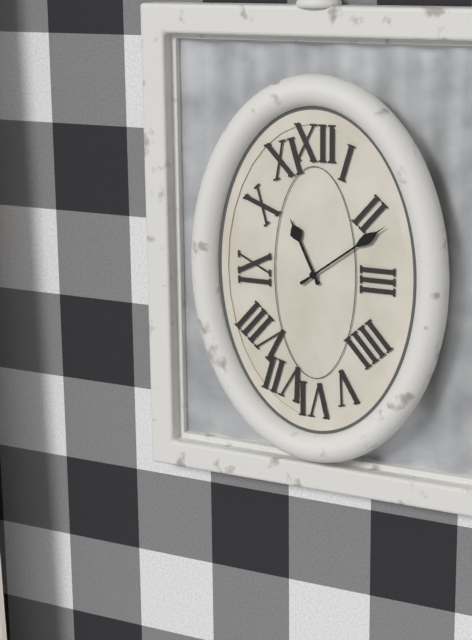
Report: 11 h 09 min
